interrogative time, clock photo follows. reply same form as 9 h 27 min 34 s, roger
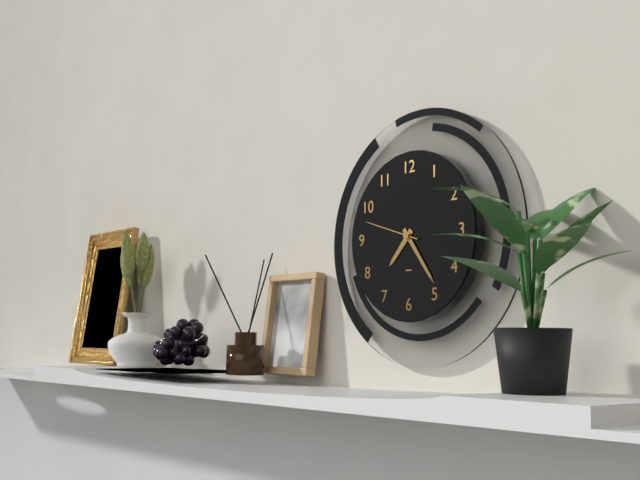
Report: 7 h 24 min 48 s
